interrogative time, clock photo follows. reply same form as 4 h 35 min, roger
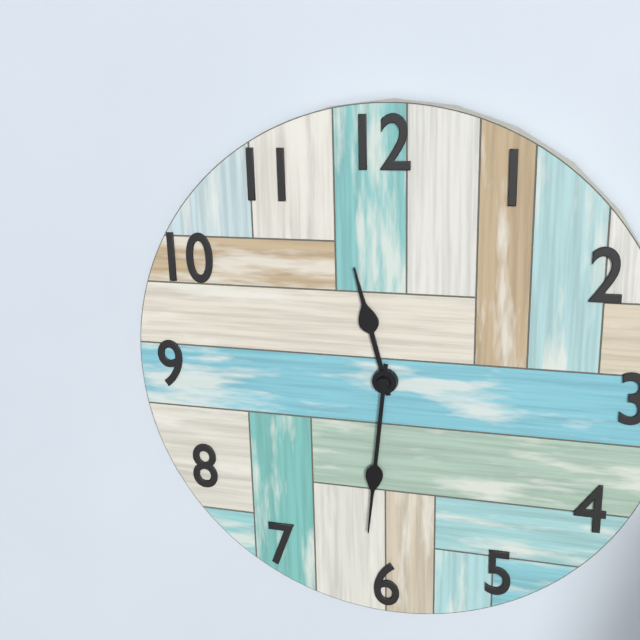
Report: 11 h 31 min
